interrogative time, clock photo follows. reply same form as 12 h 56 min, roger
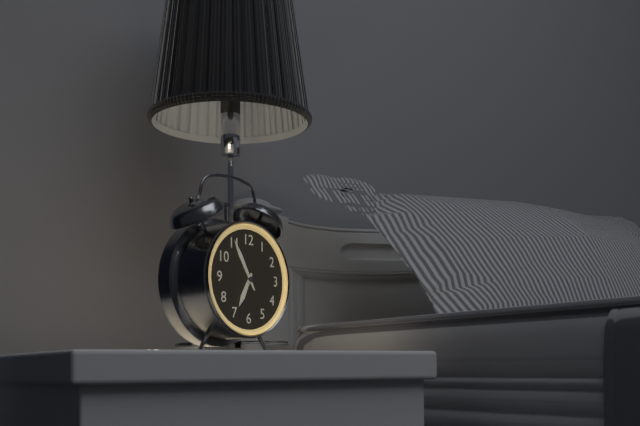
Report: 6 h 55 min
